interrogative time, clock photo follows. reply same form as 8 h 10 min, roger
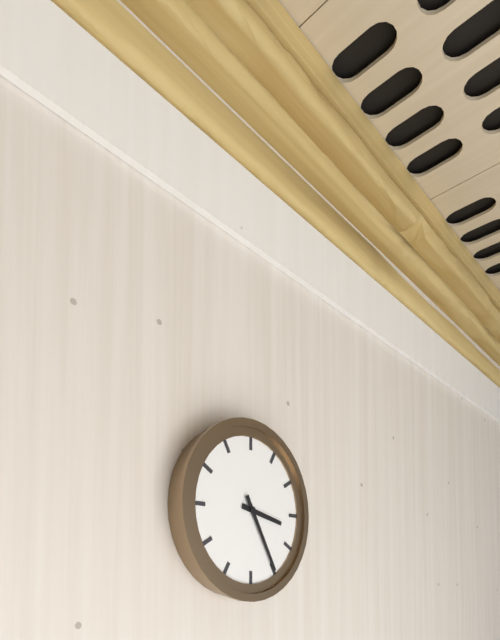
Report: 3 h 25 min
